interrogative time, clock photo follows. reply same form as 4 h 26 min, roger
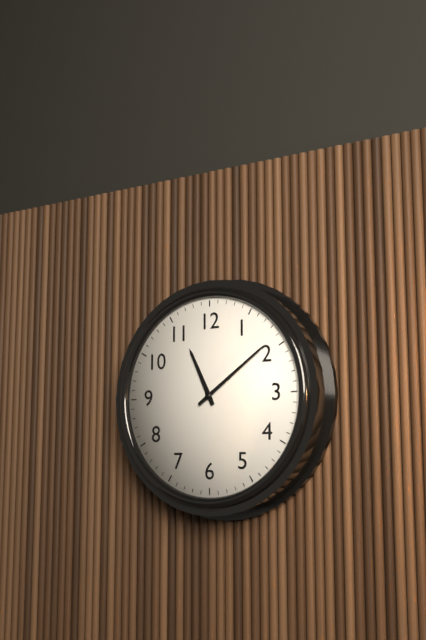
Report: 11 h 09 min
